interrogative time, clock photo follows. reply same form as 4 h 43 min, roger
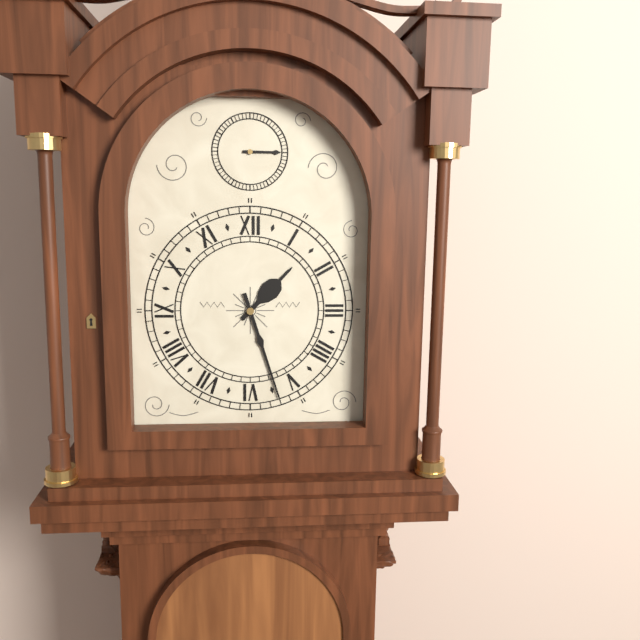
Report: 1 h 27 min
